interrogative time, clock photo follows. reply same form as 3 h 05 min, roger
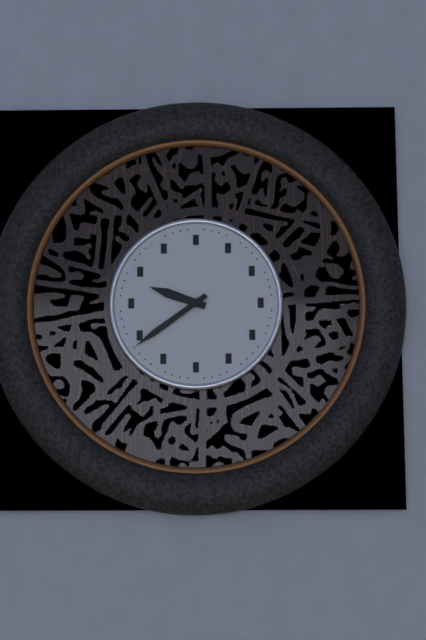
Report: 9 h 39 min
